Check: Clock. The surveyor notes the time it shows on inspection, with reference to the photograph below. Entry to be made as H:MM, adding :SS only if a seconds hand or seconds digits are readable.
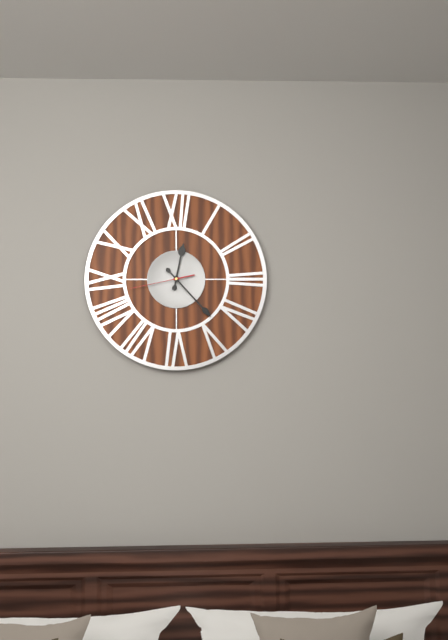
12:23:43
